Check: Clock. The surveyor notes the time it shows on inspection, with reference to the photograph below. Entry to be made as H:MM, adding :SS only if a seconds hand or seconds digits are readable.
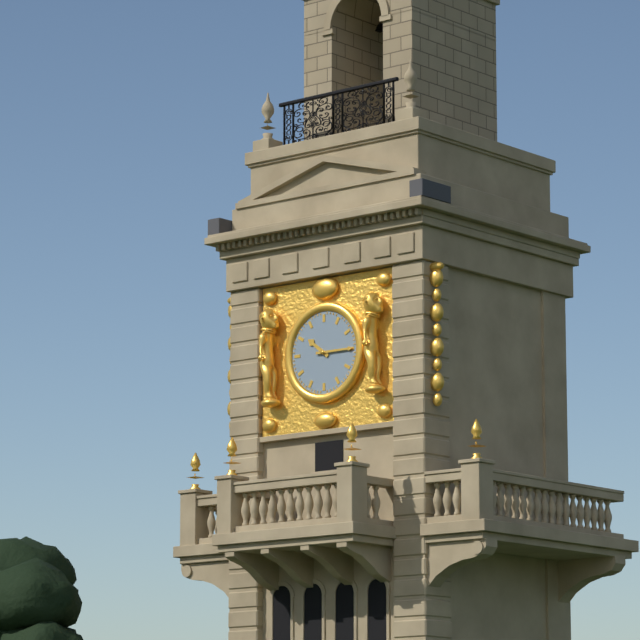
10:15
